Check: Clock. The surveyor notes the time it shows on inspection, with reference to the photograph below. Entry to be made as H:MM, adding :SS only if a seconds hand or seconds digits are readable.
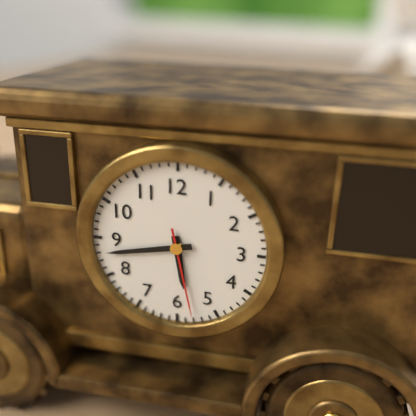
5:43:28
